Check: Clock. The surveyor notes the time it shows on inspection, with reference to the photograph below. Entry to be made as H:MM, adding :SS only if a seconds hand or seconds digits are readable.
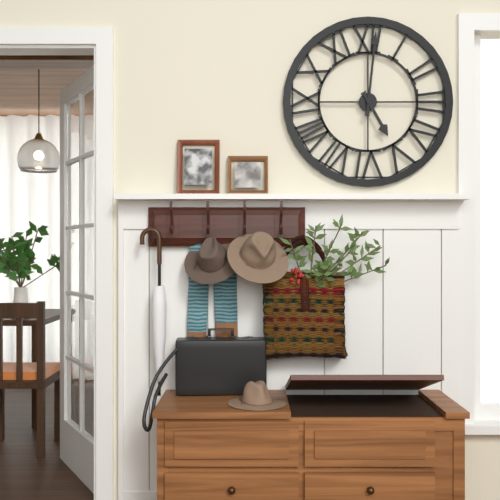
5:01
